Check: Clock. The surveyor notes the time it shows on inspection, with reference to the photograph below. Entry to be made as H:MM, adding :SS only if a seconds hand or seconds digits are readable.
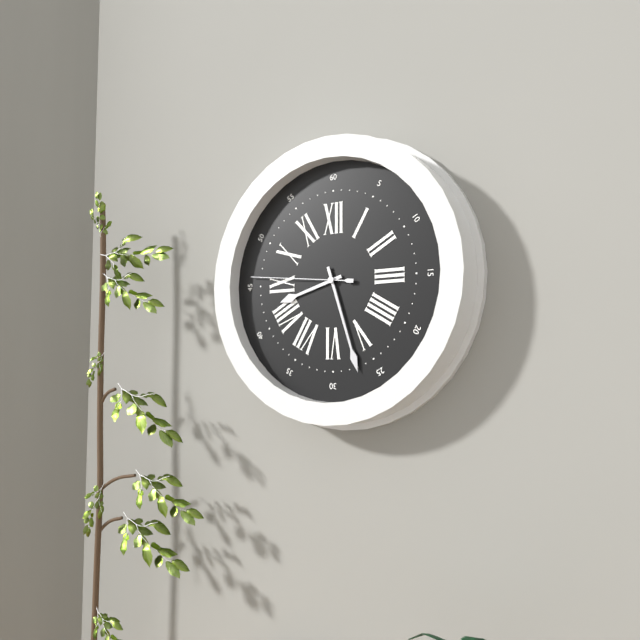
8:27:46
